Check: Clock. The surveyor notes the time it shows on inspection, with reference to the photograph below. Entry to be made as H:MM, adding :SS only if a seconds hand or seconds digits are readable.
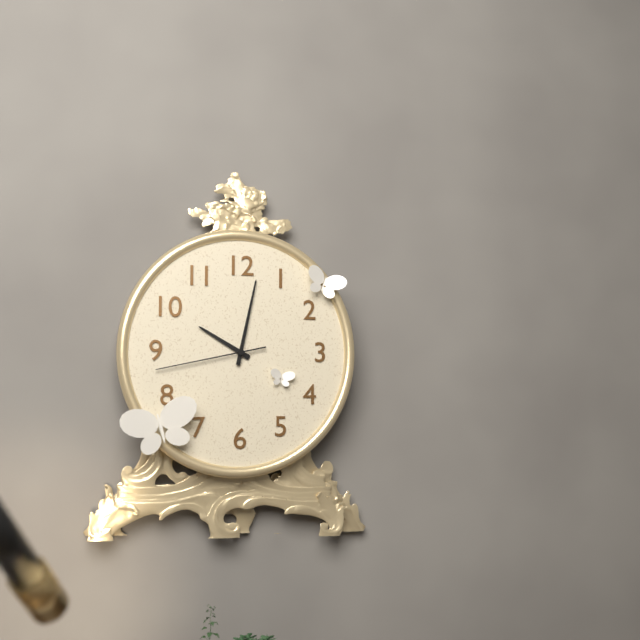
10:02:43
